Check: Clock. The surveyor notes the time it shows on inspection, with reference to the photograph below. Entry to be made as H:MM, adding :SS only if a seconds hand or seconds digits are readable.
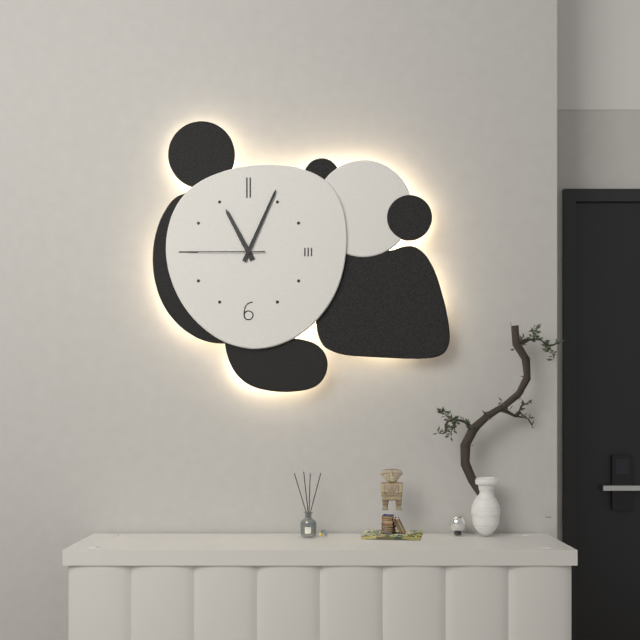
11:04:45
